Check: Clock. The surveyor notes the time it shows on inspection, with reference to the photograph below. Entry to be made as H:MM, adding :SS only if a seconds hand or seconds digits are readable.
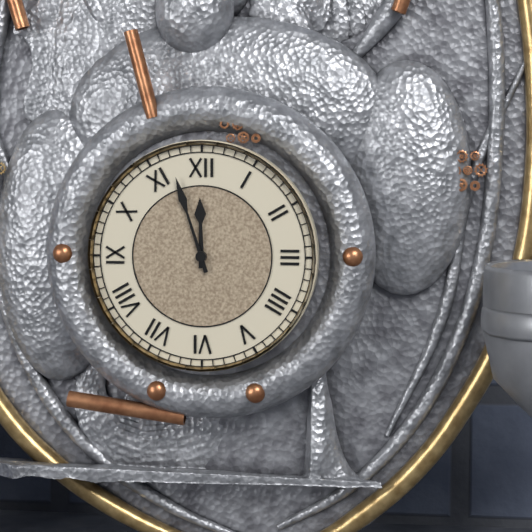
11:57
